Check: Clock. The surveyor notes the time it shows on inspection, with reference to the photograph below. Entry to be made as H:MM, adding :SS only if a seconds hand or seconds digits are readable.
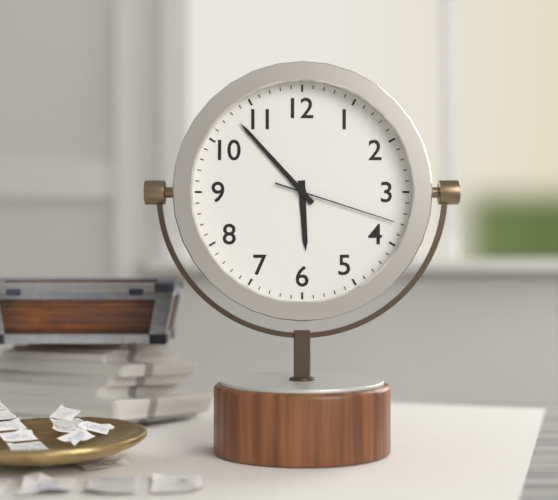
5:53:18
